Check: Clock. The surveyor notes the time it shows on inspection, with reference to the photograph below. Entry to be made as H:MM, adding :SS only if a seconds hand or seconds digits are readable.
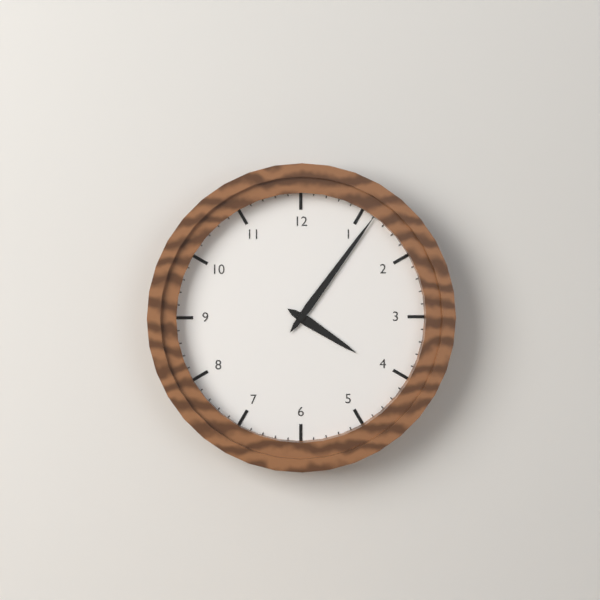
4:06
